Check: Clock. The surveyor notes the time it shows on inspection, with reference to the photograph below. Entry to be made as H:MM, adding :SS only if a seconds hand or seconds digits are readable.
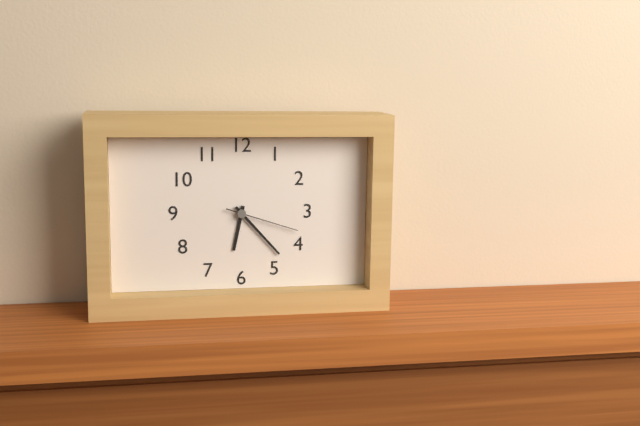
6:23:18
